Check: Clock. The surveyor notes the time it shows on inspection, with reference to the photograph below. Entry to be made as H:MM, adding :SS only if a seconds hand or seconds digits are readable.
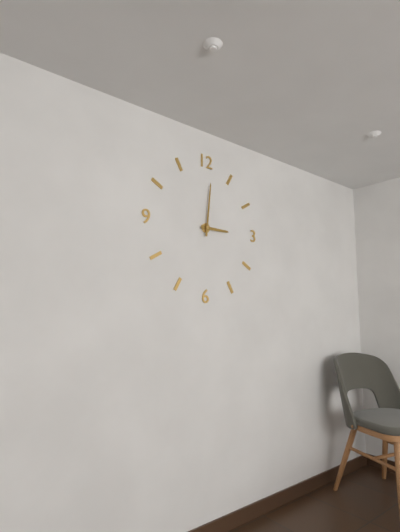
3:01
